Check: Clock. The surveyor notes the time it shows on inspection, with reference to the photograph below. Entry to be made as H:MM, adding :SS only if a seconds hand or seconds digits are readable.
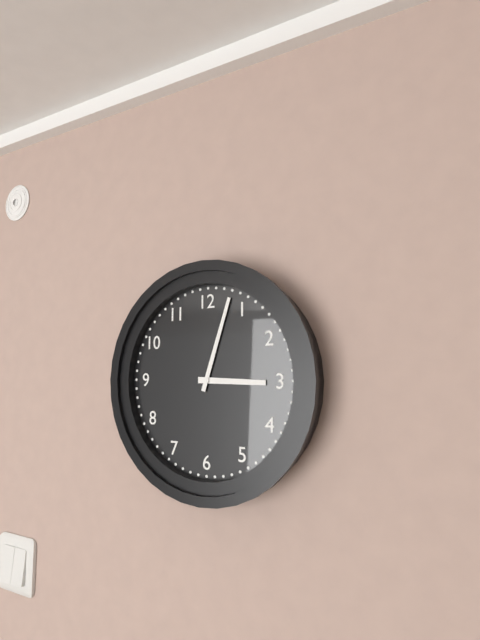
3:03
